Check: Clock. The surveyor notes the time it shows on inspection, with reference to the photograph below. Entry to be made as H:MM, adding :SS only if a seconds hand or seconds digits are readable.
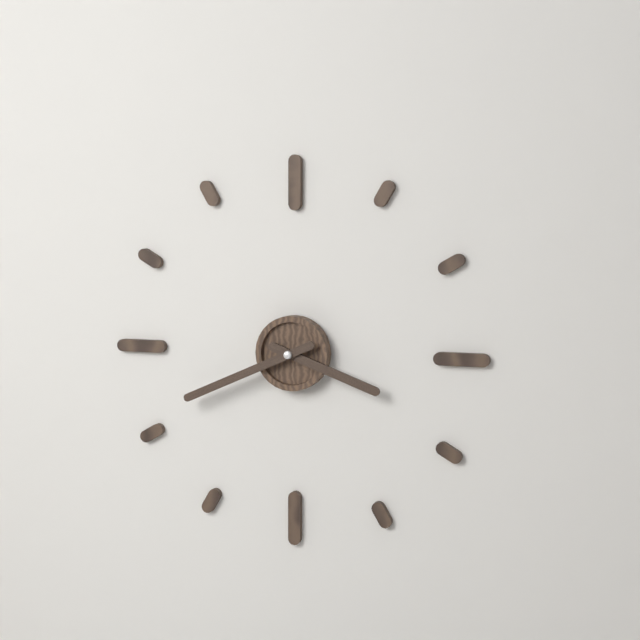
3:41
